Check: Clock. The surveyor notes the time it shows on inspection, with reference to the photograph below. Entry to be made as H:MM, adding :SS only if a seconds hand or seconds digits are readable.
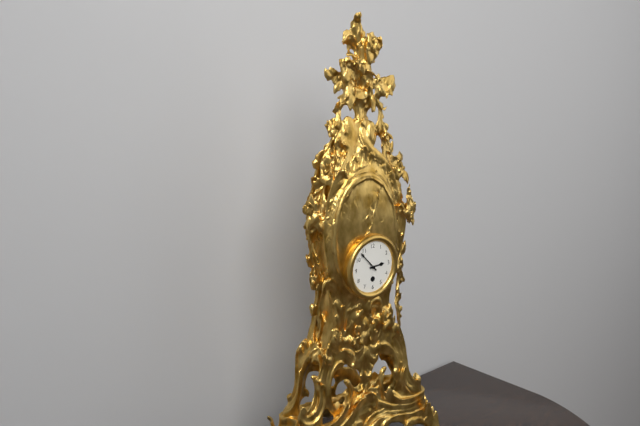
2:53
